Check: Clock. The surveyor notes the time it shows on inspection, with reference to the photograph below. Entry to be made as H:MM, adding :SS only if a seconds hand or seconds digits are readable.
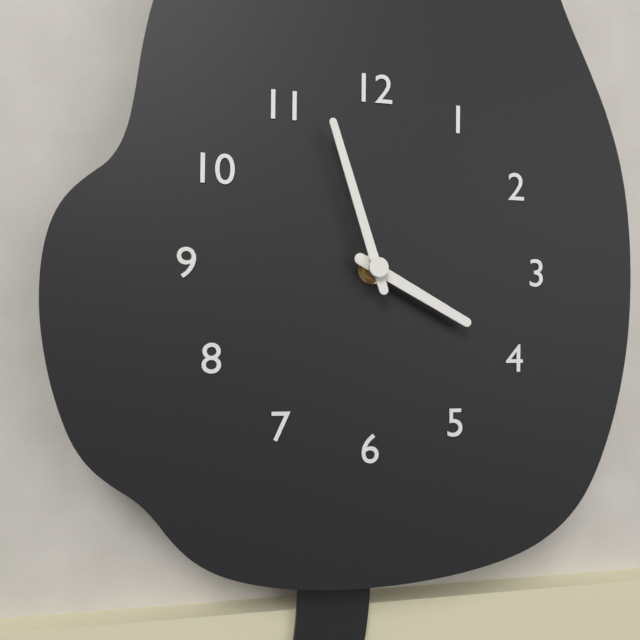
3:57
